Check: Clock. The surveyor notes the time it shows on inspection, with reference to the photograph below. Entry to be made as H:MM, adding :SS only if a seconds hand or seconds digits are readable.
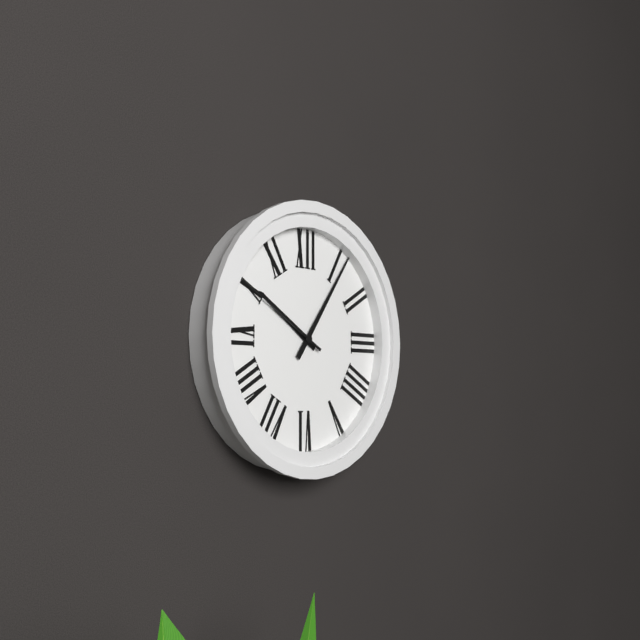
10:06:50
